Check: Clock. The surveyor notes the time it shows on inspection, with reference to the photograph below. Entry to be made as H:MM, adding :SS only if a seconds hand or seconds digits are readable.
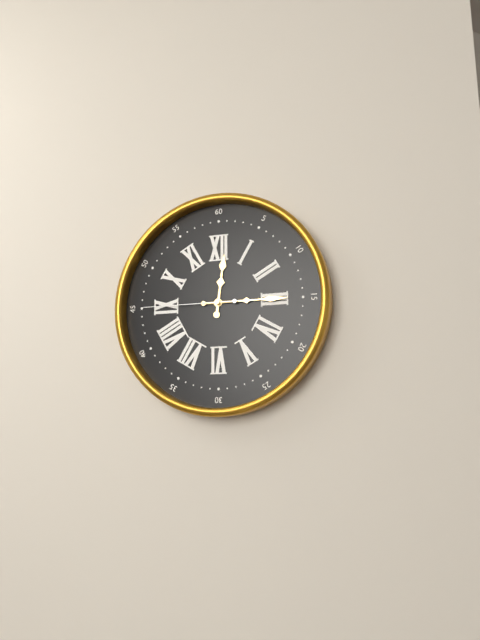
12:15:45
